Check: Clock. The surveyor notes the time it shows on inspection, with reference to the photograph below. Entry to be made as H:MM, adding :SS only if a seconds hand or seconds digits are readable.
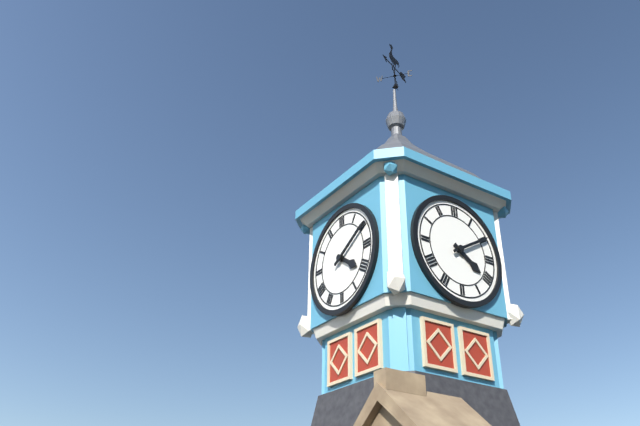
4:10
